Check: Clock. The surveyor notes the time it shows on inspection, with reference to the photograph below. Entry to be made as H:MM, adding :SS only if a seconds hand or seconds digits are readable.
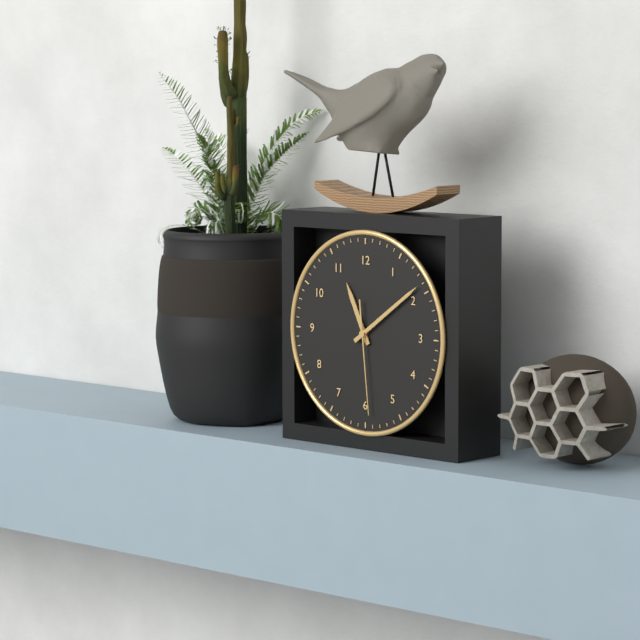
11:09:29
